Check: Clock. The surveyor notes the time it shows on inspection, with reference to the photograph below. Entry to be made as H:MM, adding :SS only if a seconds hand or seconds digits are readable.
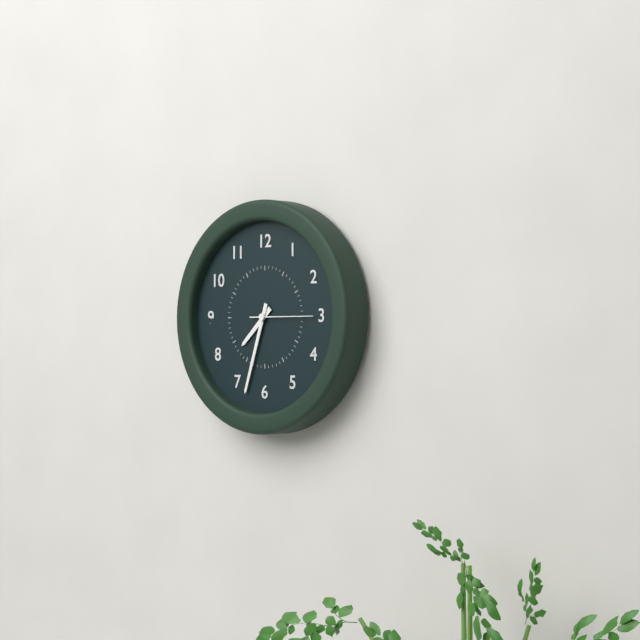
7:33:15
